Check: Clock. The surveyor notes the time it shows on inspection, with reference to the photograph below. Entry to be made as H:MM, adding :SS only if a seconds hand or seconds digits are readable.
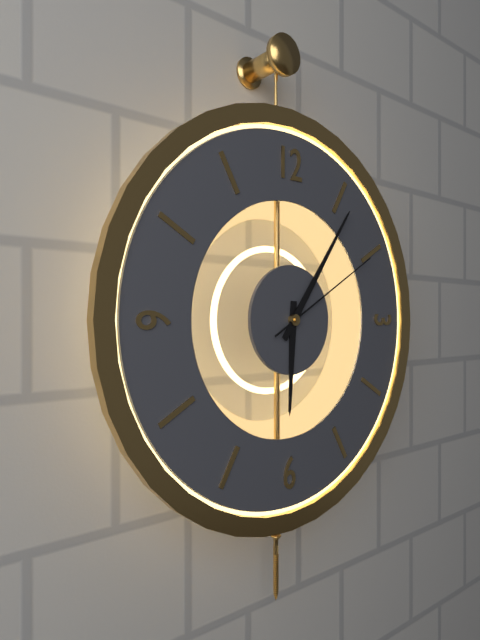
6:06:10
